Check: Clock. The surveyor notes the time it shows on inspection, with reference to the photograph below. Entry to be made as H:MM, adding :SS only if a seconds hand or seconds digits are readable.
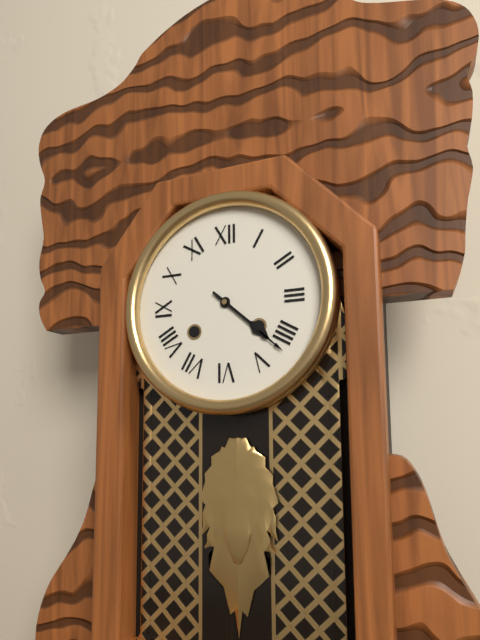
4:22
